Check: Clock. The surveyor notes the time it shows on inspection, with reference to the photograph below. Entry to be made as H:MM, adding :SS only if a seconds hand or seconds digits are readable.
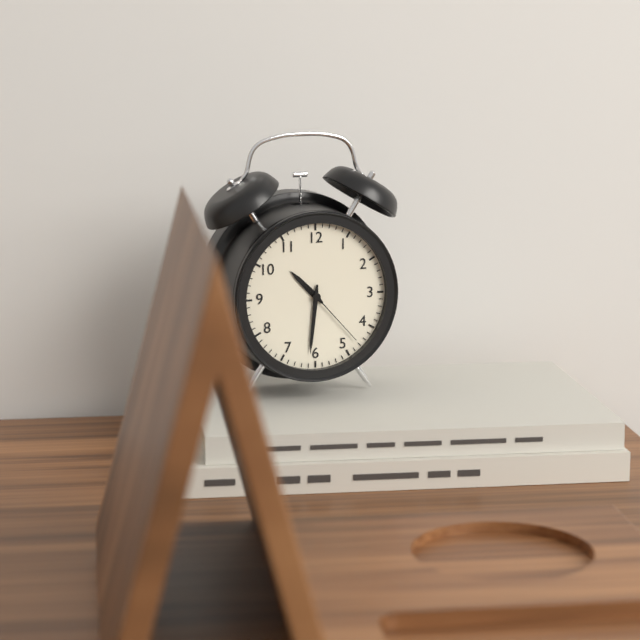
10:31:23
